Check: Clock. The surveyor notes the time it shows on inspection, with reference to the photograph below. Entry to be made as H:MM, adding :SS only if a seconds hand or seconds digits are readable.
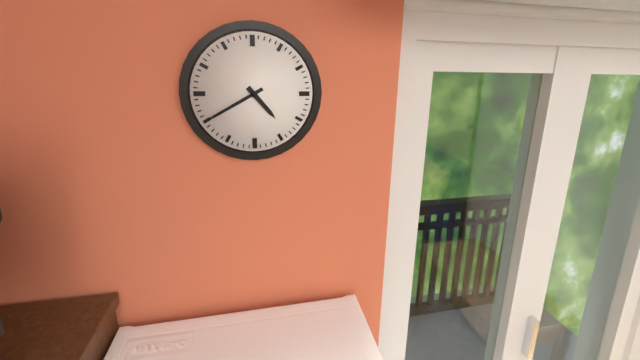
4:40
